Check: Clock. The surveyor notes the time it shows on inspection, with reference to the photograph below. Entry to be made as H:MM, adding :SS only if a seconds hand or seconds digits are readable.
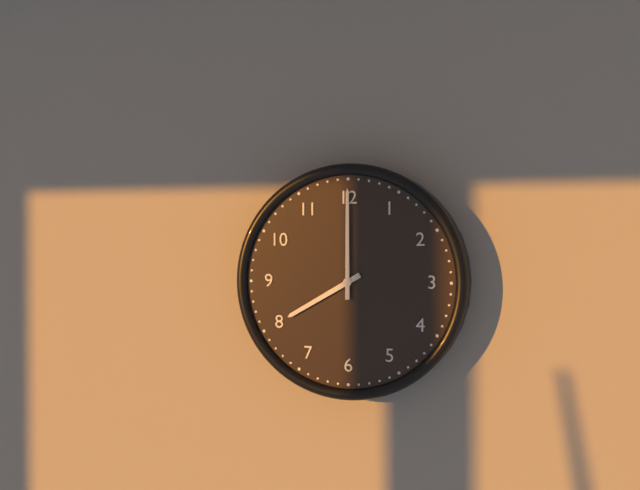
8:00
